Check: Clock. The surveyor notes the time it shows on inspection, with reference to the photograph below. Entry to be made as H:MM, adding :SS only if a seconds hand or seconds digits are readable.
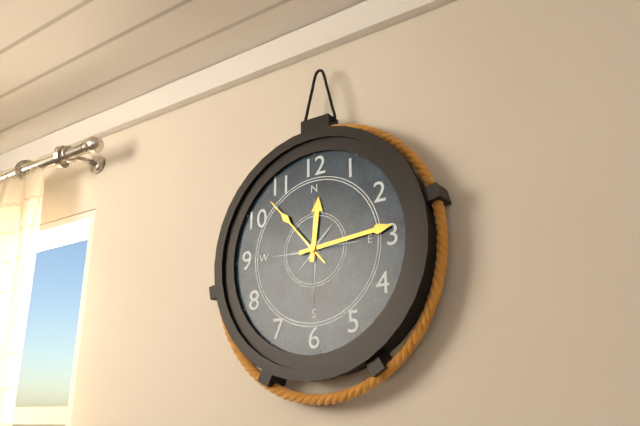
12:14:53
